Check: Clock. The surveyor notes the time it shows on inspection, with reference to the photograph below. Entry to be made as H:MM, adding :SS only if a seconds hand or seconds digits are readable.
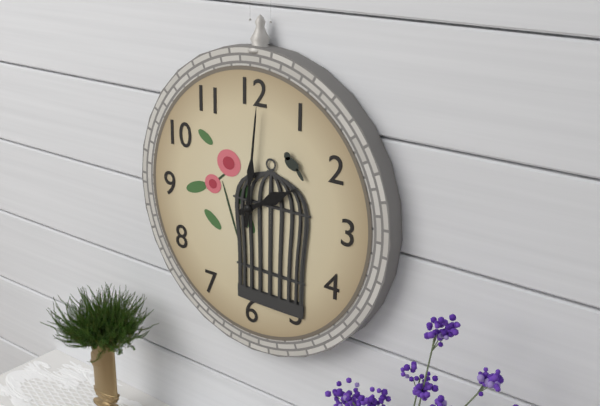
2:01
